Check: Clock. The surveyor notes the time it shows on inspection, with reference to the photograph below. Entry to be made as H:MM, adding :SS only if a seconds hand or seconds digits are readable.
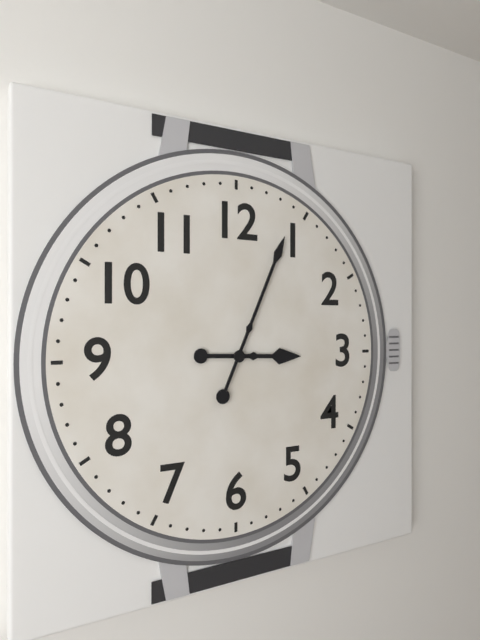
3:04
